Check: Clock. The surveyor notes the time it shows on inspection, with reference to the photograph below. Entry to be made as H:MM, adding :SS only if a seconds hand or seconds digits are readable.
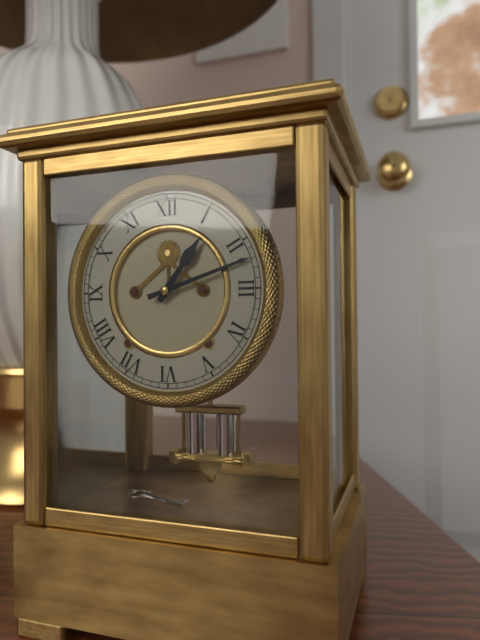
1:12
